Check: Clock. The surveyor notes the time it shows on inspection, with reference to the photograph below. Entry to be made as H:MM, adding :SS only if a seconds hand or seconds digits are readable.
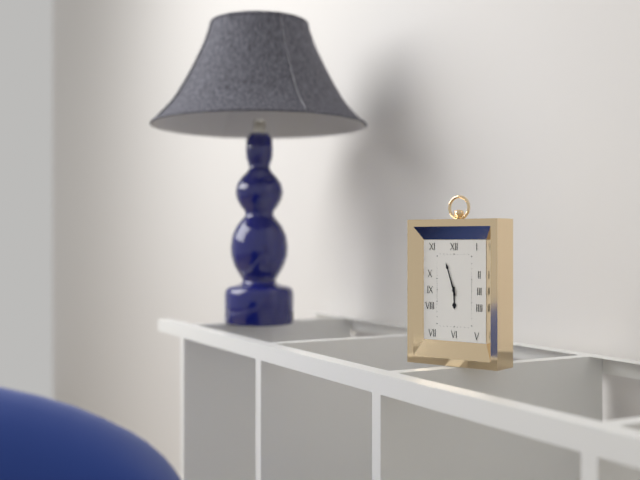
5:57
